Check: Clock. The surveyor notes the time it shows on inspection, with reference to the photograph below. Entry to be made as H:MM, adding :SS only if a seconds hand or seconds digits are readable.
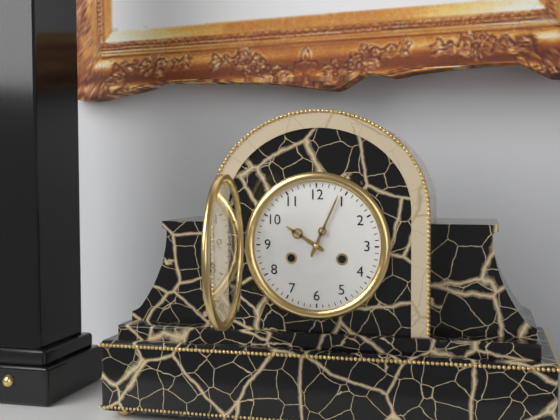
10:04
